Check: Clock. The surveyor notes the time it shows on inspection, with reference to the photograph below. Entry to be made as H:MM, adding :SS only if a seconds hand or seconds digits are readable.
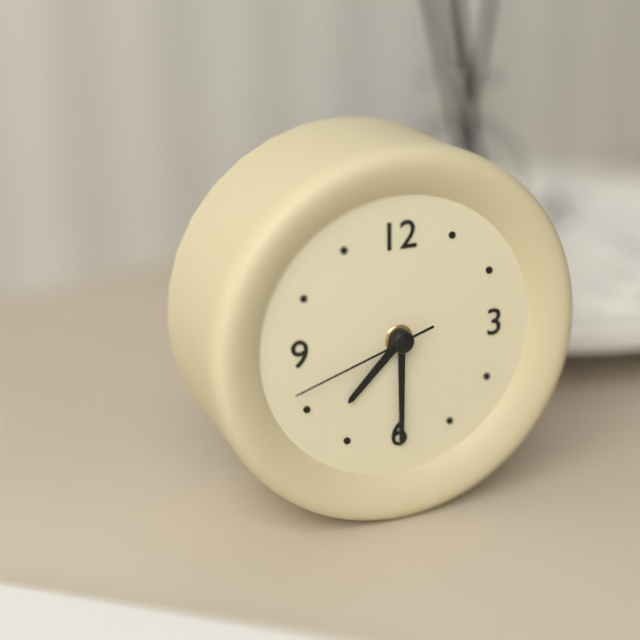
7:30:42
